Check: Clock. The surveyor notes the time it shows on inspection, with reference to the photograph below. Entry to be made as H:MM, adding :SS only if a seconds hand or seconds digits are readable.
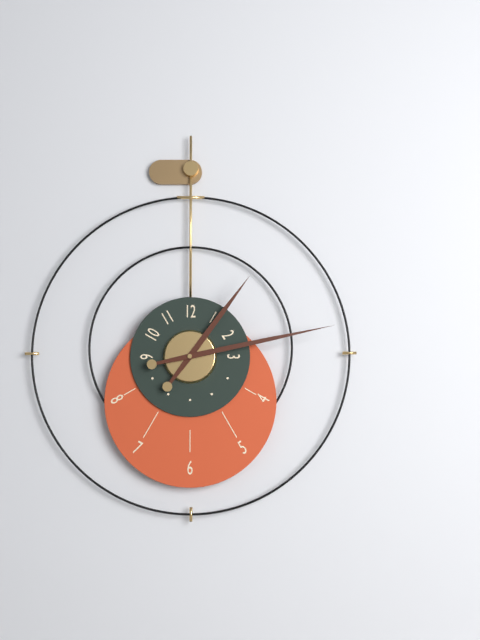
1:13
